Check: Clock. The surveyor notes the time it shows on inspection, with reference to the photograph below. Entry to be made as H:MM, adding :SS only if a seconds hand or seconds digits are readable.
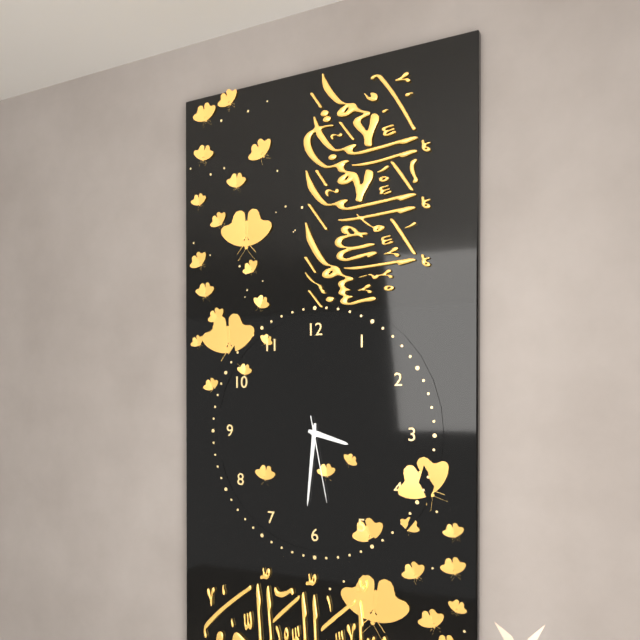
3:31:28
